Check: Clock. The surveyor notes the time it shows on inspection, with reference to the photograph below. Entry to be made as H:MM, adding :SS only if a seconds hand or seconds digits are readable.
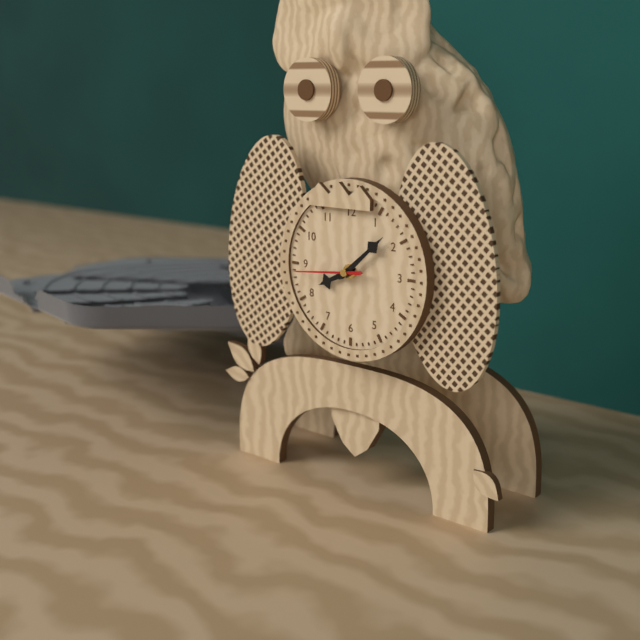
8:08:44
